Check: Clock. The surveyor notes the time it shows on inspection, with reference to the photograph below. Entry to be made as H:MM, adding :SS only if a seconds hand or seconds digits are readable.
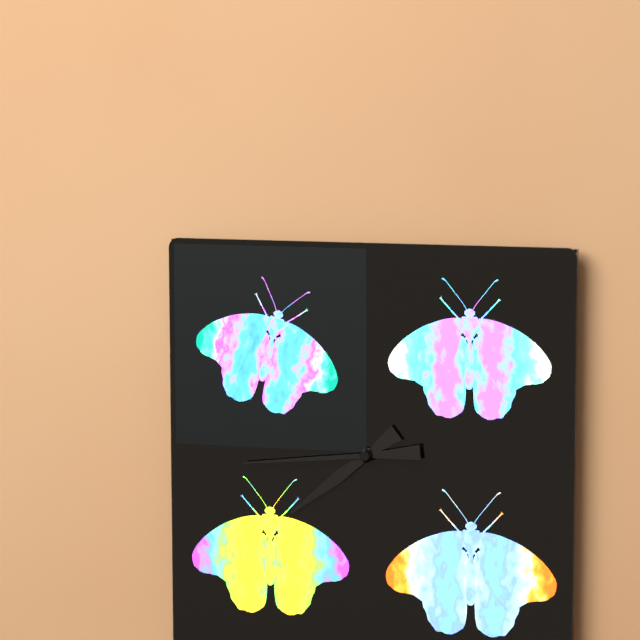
7:44
